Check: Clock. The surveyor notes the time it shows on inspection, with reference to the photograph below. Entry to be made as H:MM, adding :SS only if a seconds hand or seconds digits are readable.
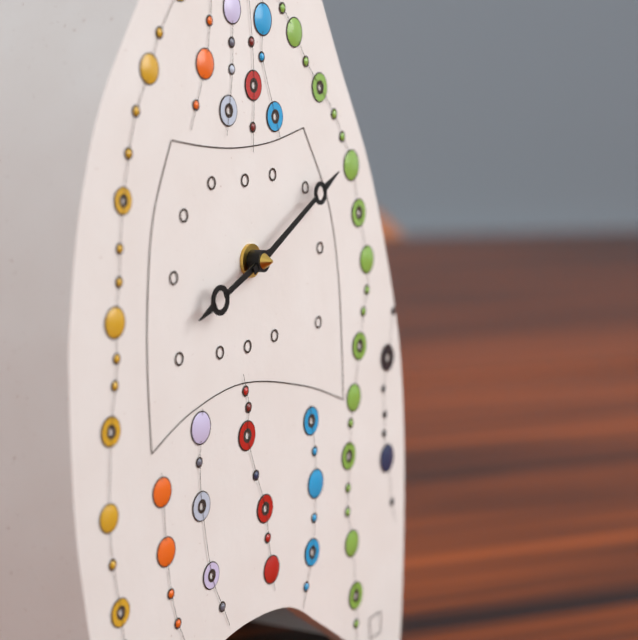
8:10
